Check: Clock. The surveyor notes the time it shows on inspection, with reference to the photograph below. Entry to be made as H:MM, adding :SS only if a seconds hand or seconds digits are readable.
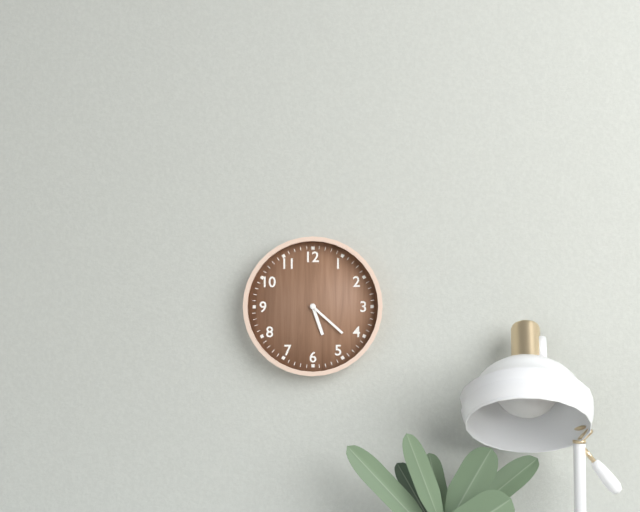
5:22
